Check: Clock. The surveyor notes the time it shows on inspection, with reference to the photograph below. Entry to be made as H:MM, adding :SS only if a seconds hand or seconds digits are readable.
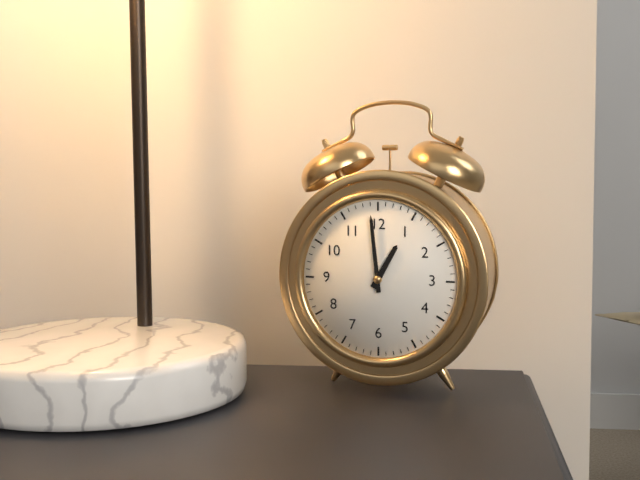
12:59
